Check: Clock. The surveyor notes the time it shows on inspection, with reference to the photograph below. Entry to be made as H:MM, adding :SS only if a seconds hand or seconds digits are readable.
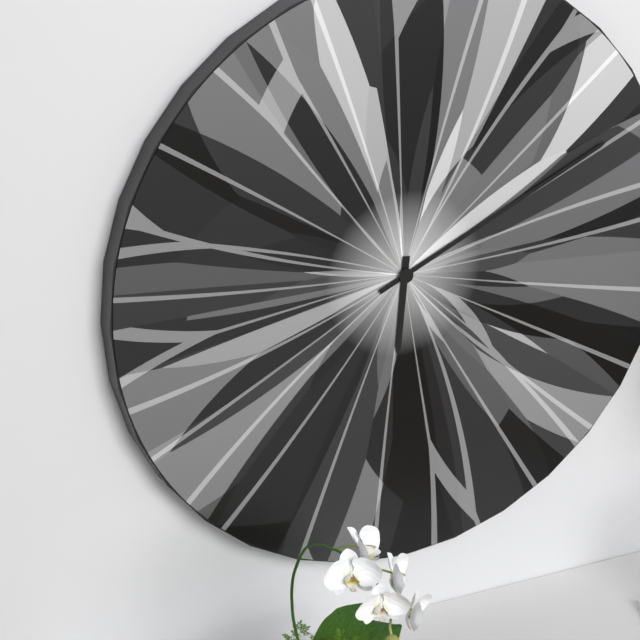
6:11
